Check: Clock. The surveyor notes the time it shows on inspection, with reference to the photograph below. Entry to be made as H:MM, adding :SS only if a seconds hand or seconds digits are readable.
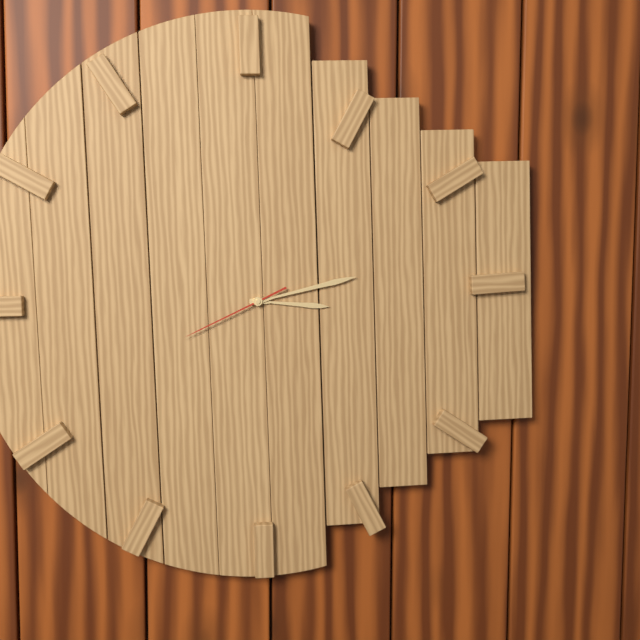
3:13:41
